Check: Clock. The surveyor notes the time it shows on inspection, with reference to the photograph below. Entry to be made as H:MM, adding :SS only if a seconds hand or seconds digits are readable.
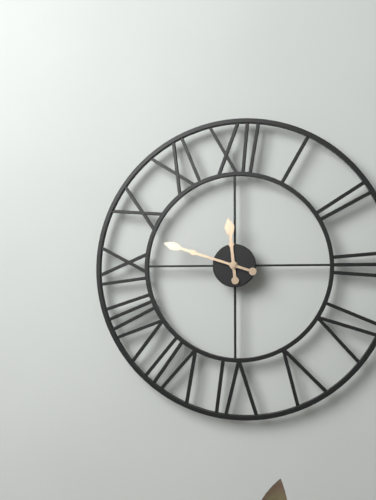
11:48
